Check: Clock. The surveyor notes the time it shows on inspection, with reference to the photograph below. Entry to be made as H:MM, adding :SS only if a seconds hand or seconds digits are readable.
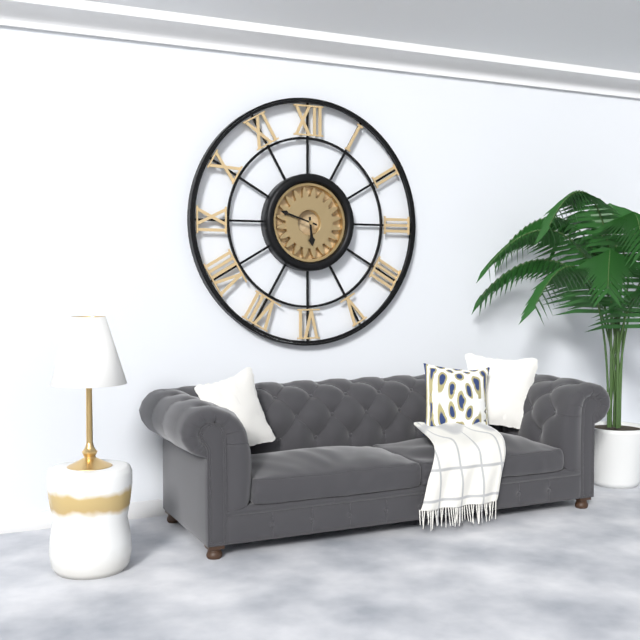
5:48
